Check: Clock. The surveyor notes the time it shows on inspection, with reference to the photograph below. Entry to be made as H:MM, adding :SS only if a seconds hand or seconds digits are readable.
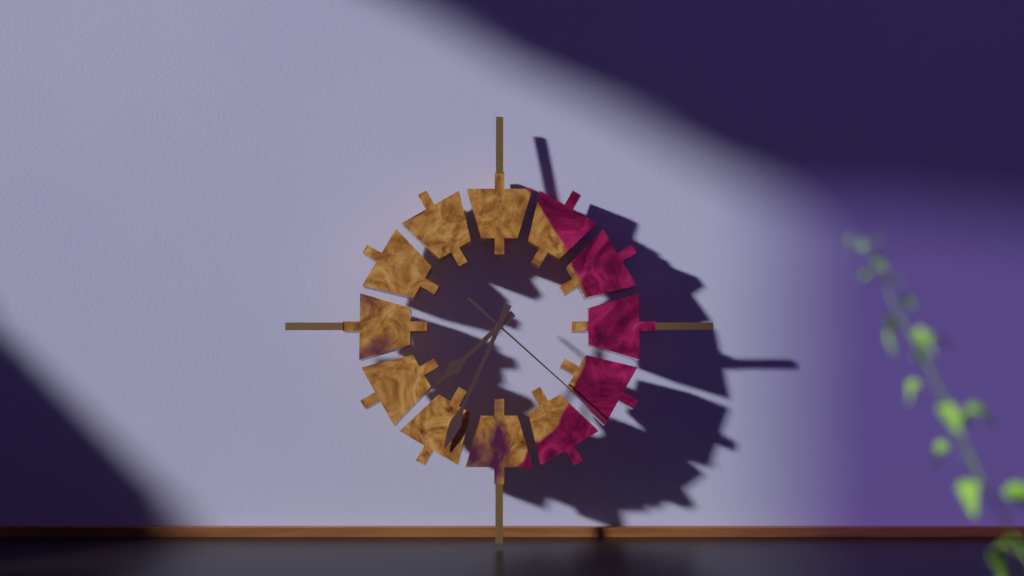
7:34:22
